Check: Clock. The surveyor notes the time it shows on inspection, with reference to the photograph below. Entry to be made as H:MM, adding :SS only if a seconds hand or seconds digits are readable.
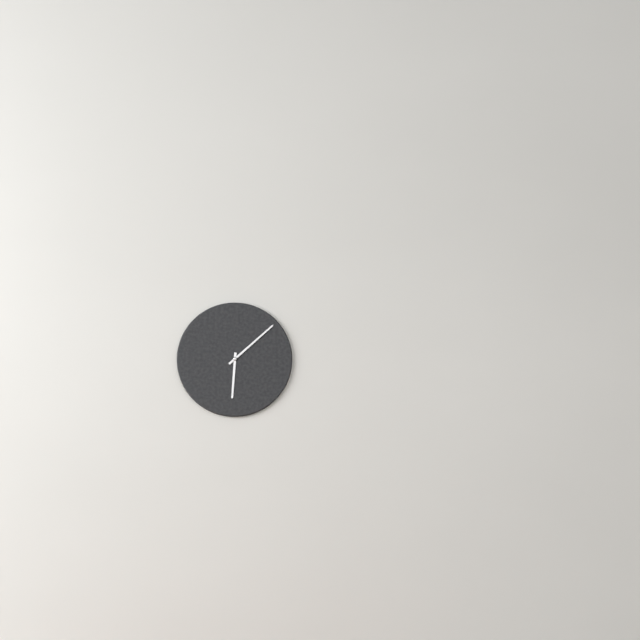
6:08
